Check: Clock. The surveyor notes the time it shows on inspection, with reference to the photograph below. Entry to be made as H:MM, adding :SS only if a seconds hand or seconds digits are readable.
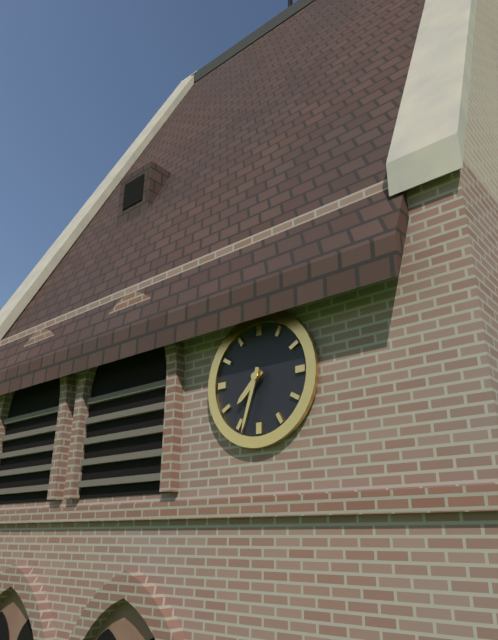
7:33
